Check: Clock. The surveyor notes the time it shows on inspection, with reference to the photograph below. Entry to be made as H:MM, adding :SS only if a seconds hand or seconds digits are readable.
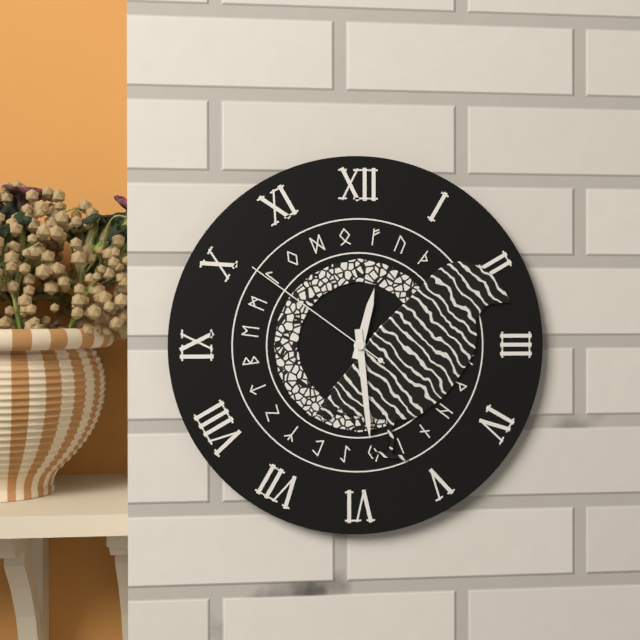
12:29:51
